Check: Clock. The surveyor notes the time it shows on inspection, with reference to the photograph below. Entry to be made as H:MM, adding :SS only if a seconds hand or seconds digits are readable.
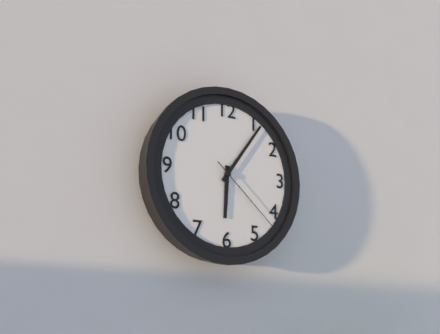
6:06:22
